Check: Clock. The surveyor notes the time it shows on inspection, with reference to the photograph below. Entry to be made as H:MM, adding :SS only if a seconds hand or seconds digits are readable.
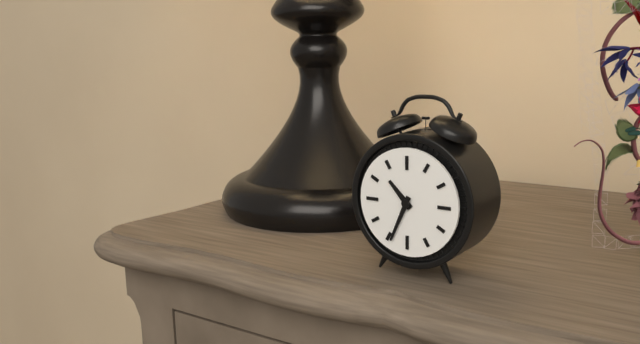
10:34
